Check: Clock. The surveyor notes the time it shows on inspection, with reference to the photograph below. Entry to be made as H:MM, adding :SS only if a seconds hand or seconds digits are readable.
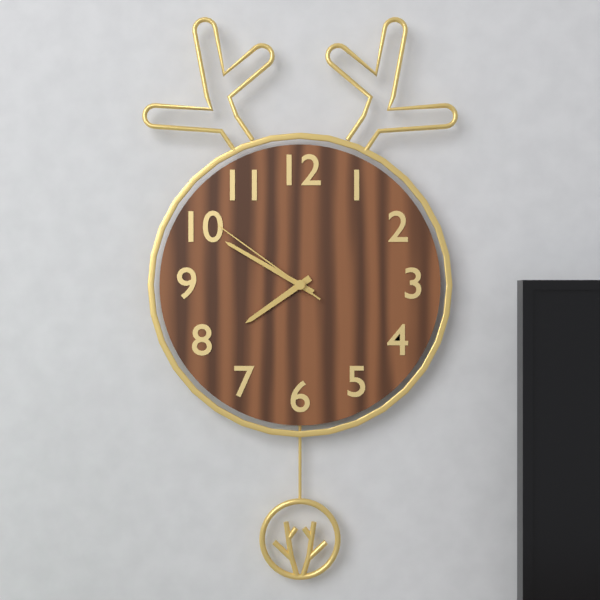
7:50:51
